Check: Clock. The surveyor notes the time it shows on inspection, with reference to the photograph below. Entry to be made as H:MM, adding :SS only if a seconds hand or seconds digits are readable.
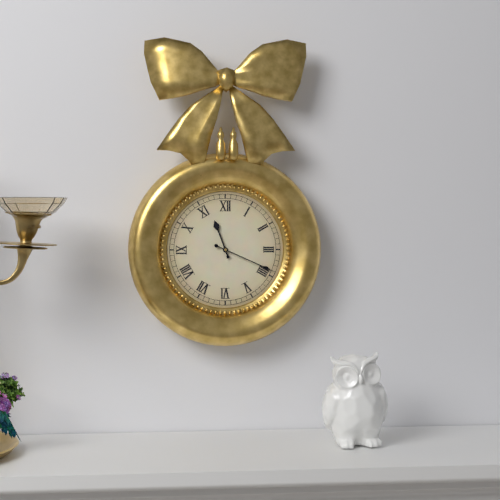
11:19
